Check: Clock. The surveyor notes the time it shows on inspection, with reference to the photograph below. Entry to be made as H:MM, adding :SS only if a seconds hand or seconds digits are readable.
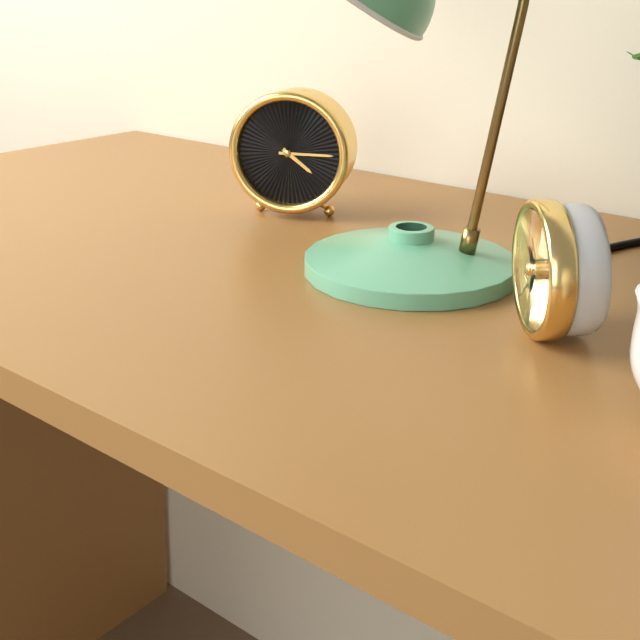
4:15
